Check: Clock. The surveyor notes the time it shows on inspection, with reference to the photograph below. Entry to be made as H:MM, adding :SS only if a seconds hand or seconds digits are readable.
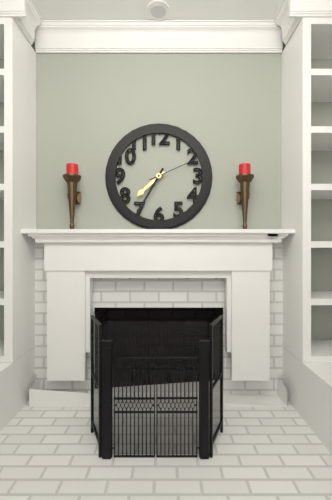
7:35:11
